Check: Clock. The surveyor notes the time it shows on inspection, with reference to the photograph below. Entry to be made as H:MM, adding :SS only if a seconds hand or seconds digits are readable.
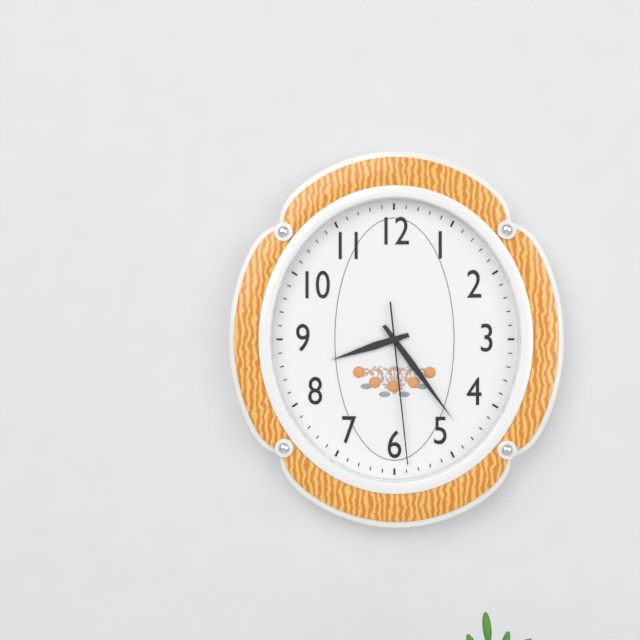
8:24:29
